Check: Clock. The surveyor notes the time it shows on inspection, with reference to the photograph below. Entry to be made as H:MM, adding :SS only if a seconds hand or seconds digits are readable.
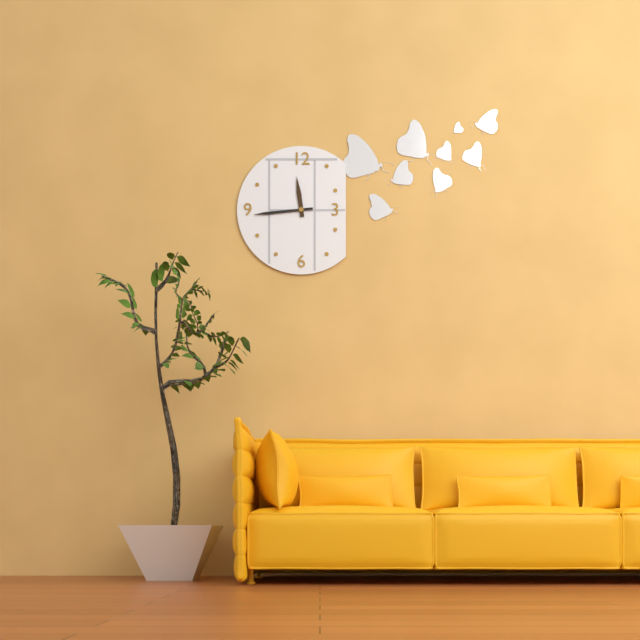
11:44
